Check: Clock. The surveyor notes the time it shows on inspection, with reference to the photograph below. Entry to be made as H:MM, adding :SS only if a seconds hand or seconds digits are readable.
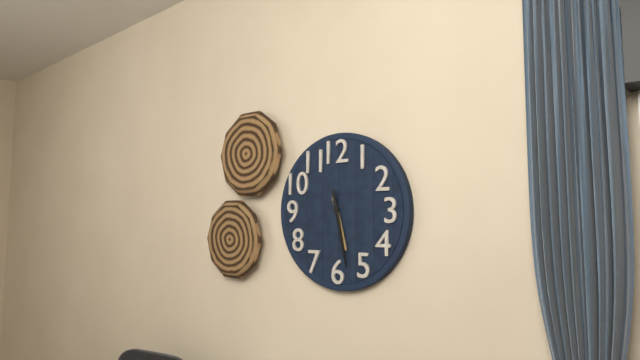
5:28
